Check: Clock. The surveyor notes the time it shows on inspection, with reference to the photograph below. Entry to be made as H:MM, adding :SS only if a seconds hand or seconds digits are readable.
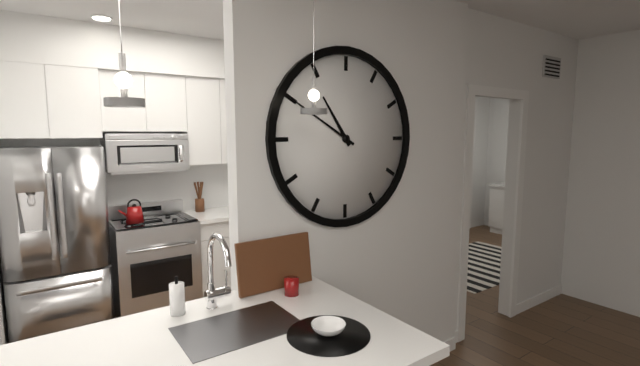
10:50
